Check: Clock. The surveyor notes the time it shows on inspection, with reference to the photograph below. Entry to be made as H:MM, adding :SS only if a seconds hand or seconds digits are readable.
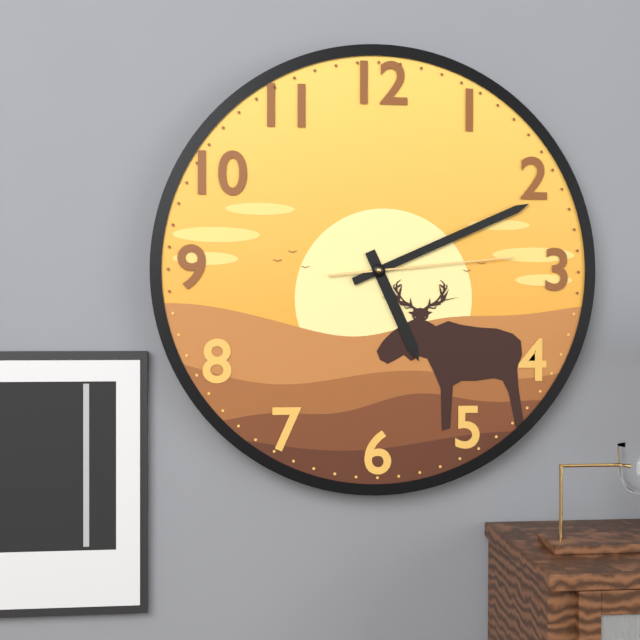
5:11:14
